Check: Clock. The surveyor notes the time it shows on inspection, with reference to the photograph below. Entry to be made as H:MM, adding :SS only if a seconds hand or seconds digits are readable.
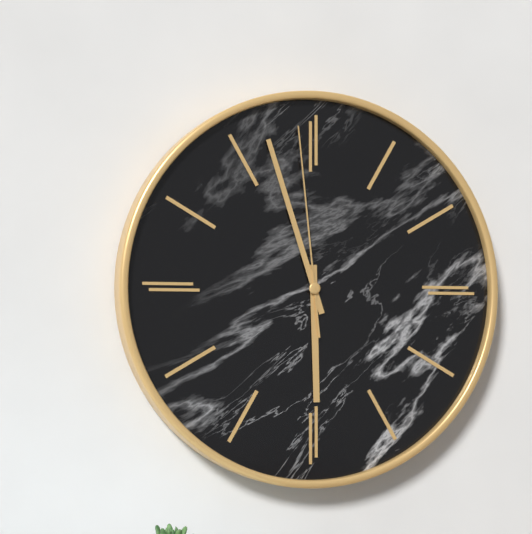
5:57:59
